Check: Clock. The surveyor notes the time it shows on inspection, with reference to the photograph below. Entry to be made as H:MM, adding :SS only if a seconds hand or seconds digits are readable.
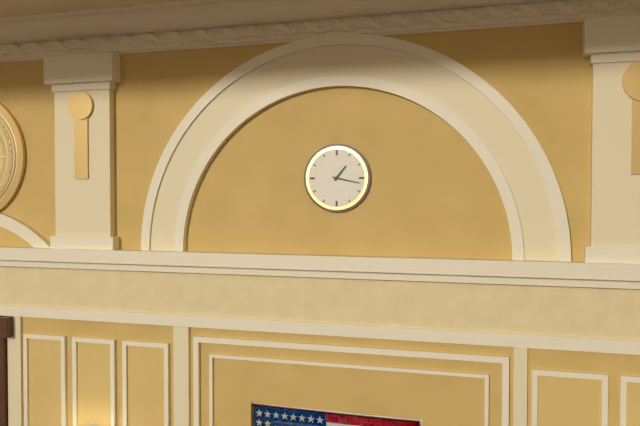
1:17
